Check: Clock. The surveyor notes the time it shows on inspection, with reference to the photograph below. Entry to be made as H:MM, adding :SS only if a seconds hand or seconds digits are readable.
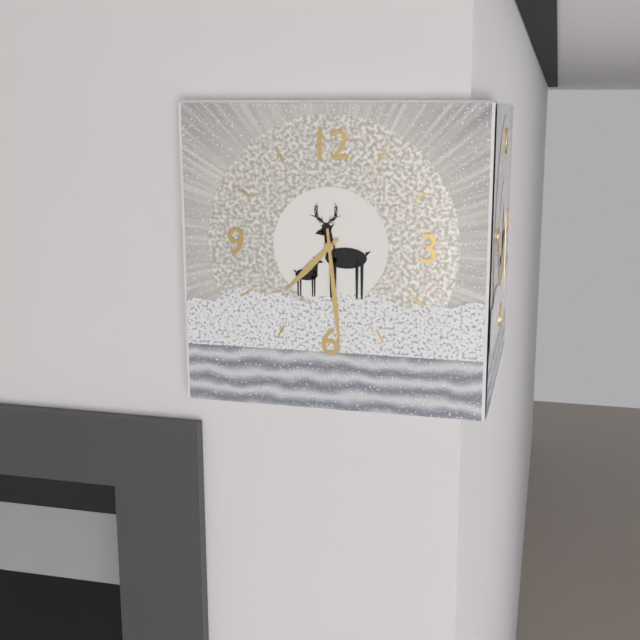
7:29
